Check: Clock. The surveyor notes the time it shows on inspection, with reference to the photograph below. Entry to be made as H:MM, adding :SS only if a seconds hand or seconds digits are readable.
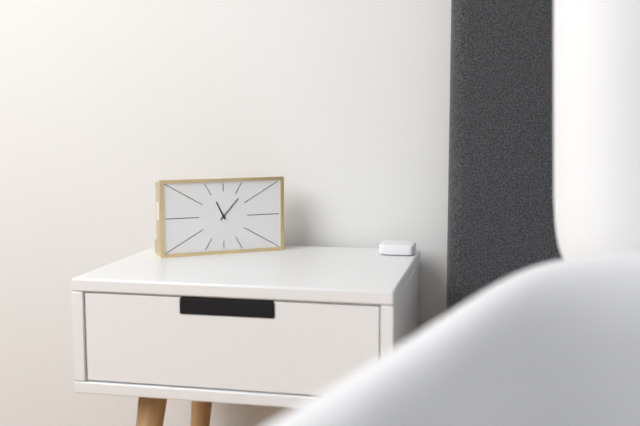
11:07
